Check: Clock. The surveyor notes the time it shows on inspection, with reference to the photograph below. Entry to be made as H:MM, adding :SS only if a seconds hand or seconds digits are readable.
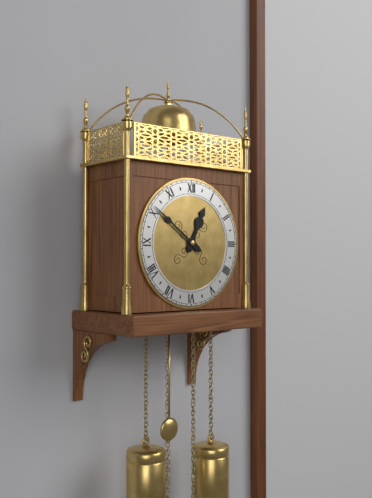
12:51
